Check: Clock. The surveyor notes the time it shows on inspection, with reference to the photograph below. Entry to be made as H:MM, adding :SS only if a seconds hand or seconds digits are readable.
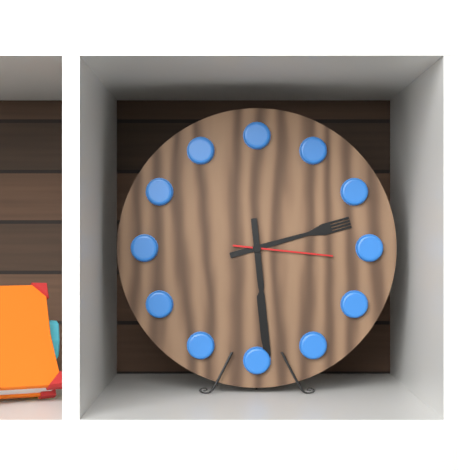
2:29:16
